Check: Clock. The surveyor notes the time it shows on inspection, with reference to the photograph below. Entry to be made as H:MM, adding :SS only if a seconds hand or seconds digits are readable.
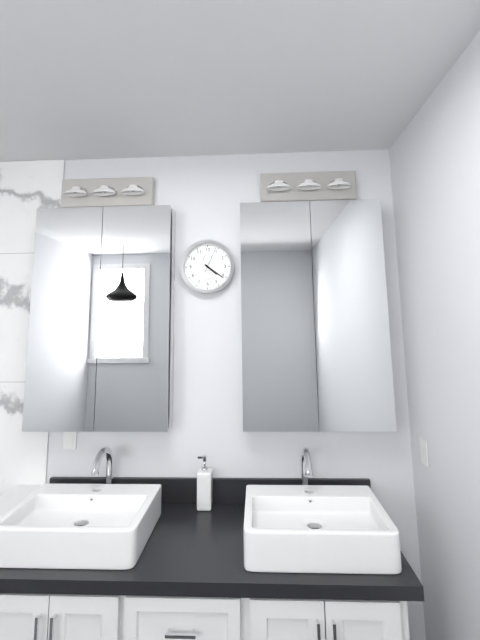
4:21
